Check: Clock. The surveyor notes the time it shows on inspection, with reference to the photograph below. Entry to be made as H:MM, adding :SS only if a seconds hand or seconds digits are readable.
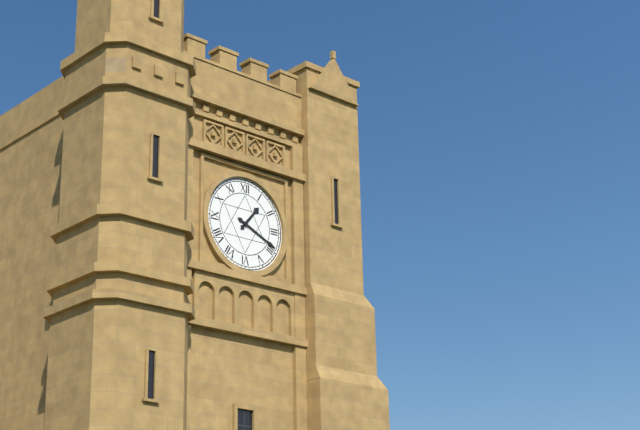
1:19
